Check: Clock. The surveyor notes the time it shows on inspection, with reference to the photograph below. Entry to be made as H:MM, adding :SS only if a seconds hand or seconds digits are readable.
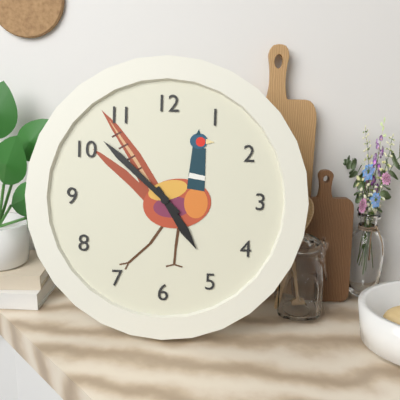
4:52
